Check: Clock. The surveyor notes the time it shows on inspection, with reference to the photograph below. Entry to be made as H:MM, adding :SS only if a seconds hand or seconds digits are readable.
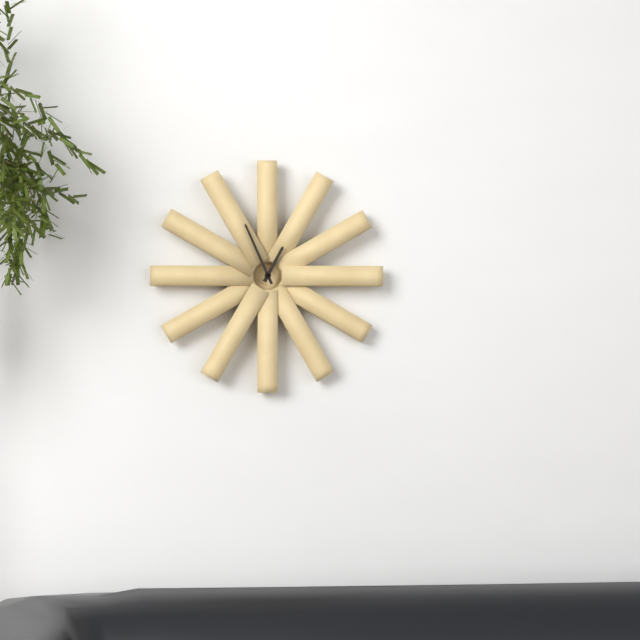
12:56
